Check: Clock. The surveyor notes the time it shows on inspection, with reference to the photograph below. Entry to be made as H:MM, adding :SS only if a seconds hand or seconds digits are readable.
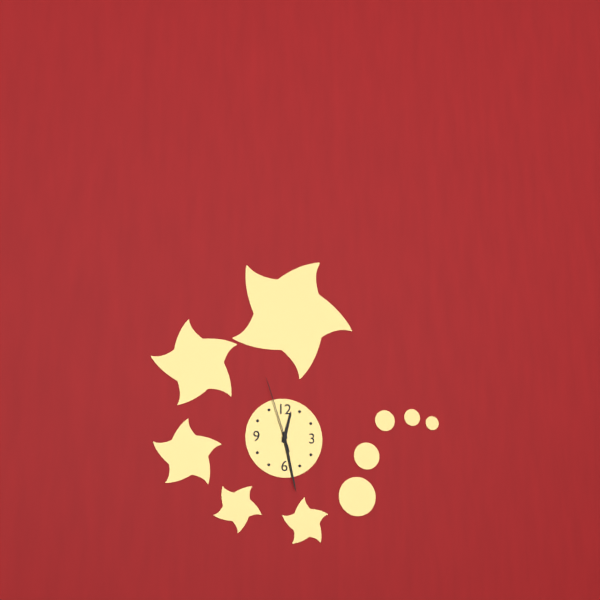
12:28:57
